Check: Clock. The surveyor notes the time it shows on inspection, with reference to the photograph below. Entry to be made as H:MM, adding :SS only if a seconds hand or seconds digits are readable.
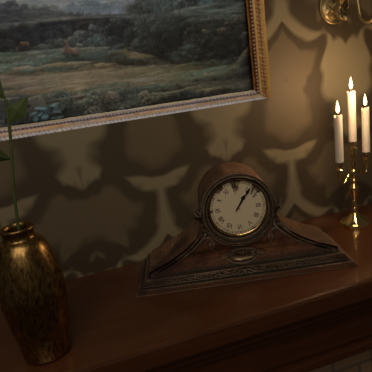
1:06
